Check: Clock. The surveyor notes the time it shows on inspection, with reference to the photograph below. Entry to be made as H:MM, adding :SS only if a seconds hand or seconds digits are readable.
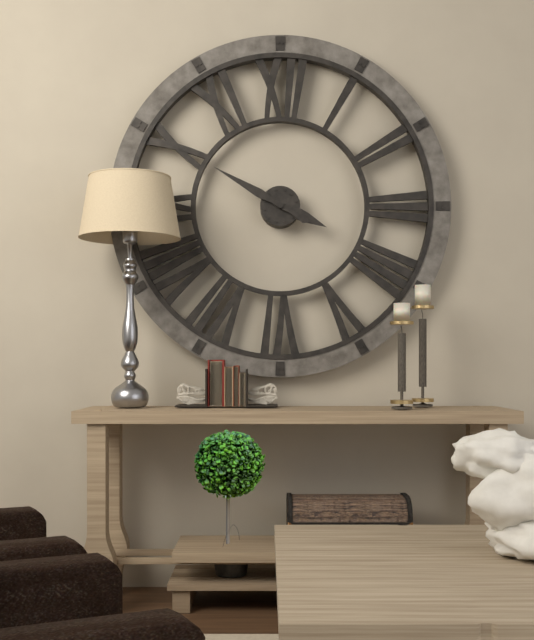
3:50
